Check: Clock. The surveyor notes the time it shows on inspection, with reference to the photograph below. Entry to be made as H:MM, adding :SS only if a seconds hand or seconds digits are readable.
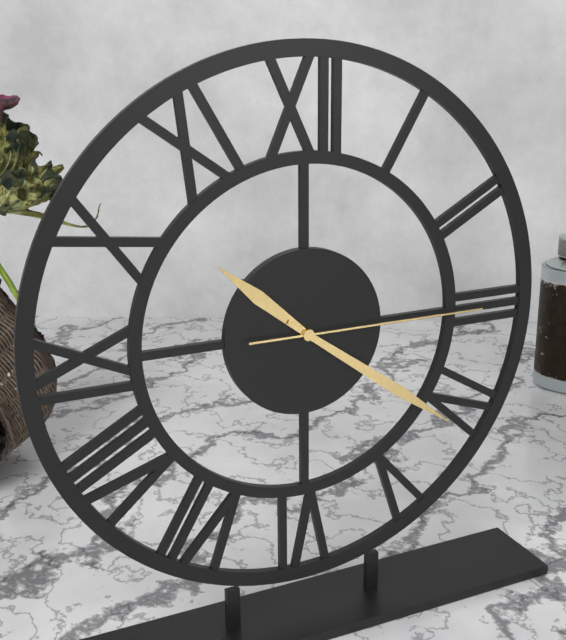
10:21:15
